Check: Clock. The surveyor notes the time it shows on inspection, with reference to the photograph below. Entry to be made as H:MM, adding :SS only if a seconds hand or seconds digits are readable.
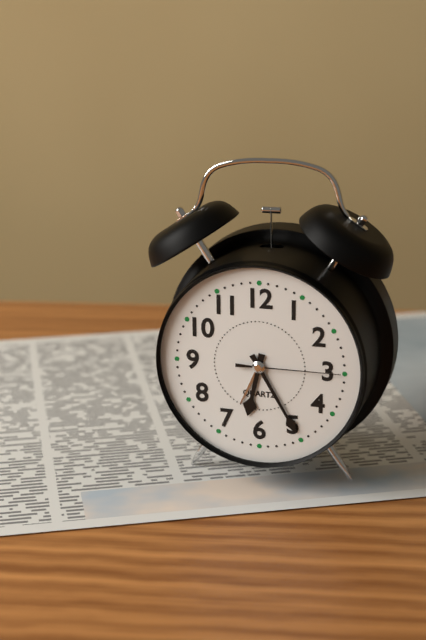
6:25:15
